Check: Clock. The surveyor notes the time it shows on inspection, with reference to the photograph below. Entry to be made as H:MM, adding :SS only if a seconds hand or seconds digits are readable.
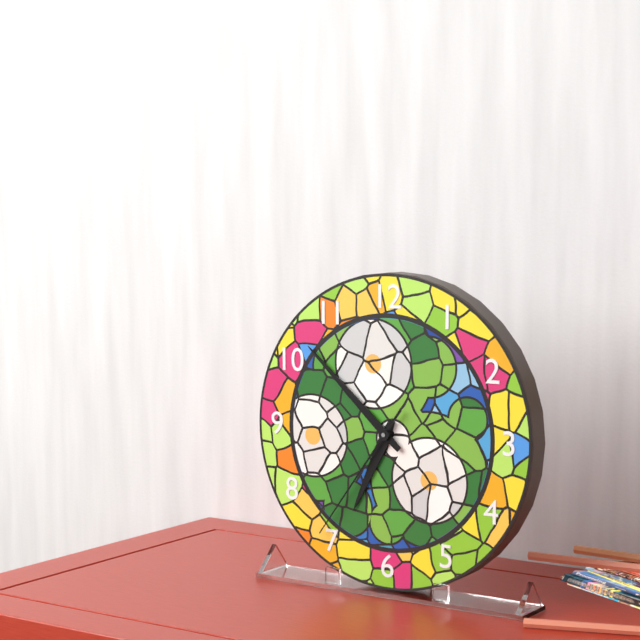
6:52:36
